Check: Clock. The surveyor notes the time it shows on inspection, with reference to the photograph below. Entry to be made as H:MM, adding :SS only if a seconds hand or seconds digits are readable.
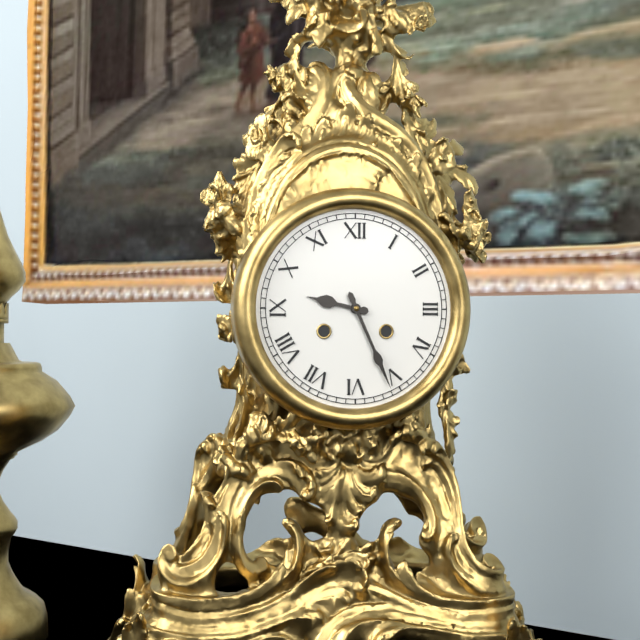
9:26
